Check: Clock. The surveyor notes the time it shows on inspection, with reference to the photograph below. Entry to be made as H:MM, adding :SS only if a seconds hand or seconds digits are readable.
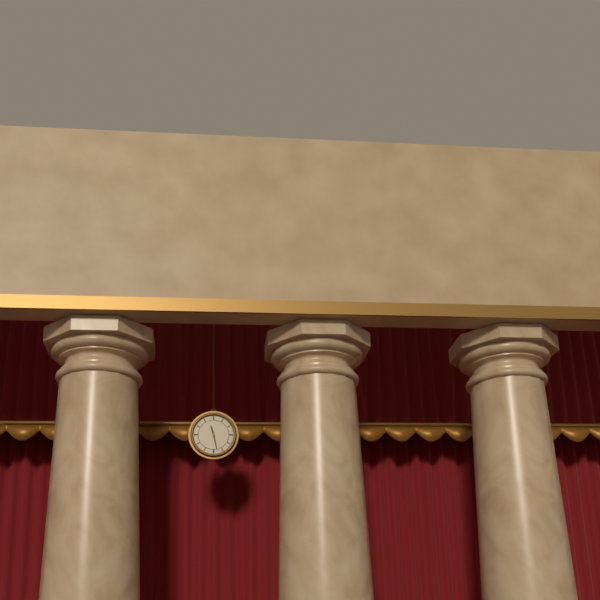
11:28
